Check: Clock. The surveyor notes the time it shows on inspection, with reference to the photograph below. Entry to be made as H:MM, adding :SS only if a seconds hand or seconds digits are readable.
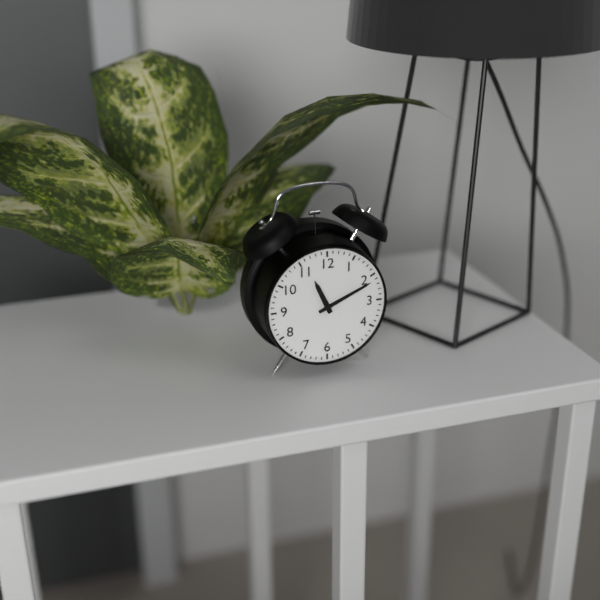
11:11
